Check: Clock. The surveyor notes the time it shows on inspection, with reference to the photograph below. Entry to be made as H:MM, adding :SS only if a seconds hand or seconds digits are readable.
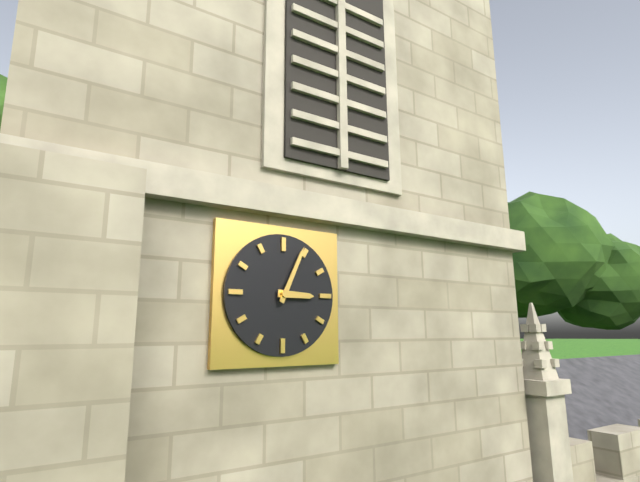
3:04
